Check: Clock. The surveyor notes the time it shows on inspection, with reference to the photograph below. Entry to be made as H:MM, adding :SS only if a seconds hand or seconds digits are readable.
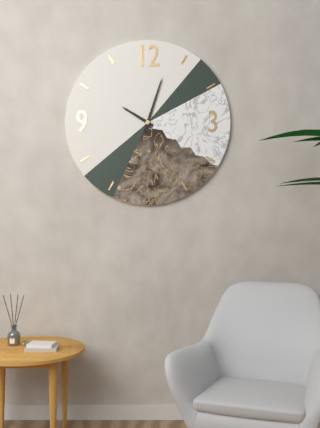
10:03
